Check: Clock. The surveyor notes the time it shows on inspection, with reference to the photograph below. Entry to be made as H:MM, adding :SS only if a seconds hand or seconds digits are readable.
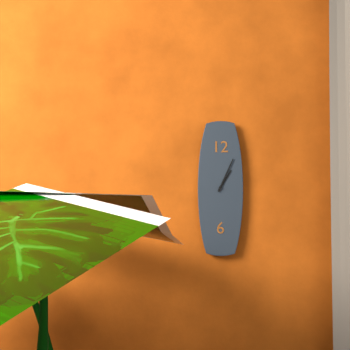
1:04
